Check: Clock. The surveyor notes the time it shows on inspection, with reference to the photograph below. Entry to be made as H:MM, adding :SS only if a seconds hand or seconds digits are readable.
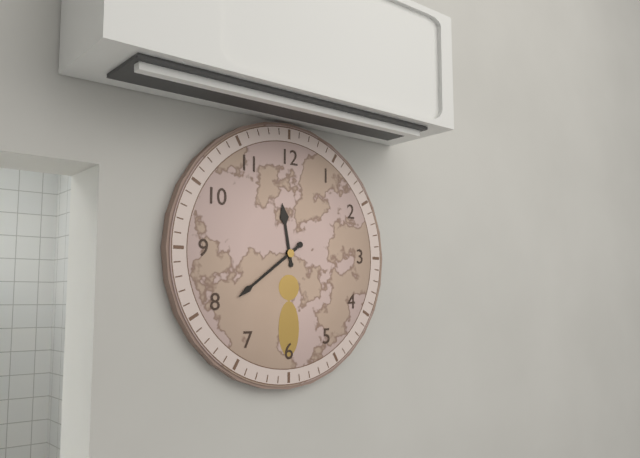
11:39
